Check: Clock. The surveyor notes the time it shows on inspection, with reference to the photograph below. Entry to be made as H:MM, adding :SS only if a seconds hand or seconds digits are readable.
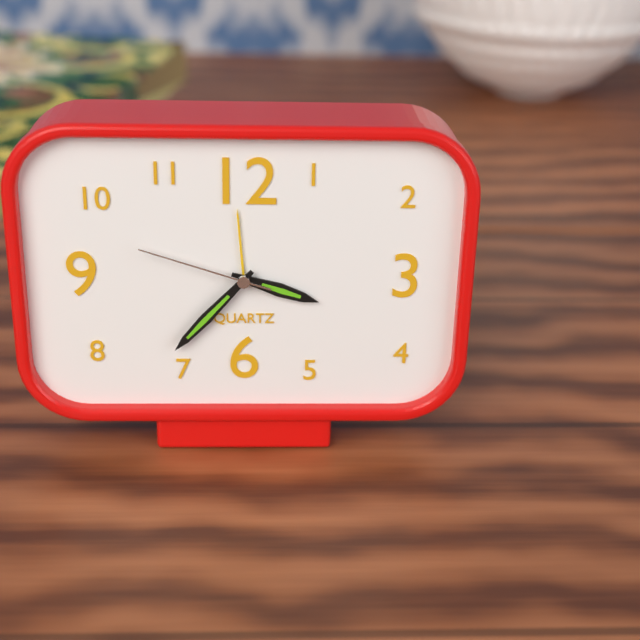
3:37:48
